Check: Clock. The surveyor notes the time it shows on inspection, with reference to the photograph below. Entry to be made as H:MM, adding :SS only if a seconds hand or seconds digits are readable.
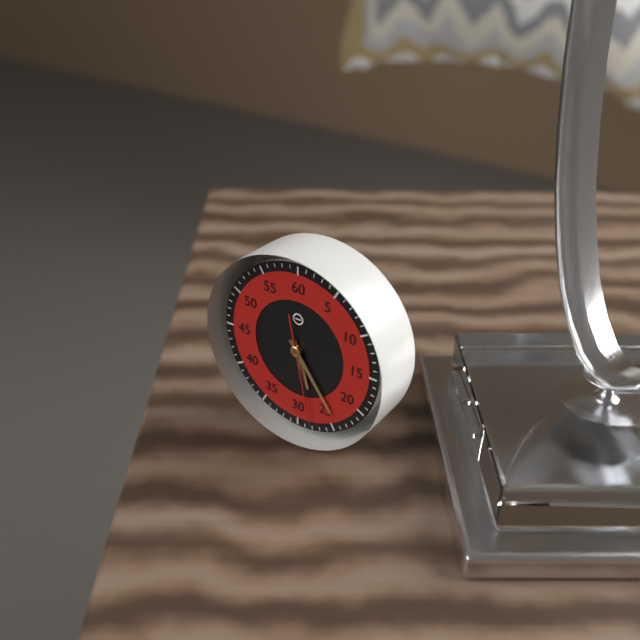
5:24:28
